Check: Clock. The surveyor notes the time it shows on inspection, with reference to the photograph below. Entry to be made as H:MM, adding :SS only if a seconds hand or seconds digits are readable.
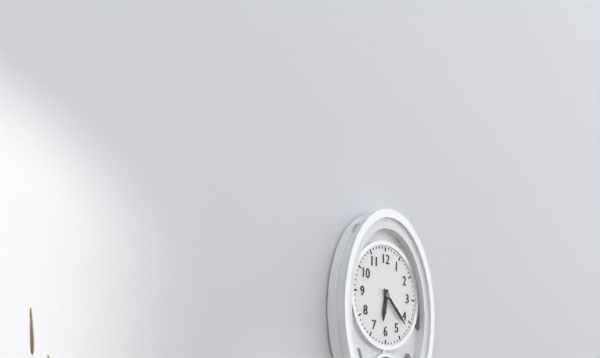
6:22
